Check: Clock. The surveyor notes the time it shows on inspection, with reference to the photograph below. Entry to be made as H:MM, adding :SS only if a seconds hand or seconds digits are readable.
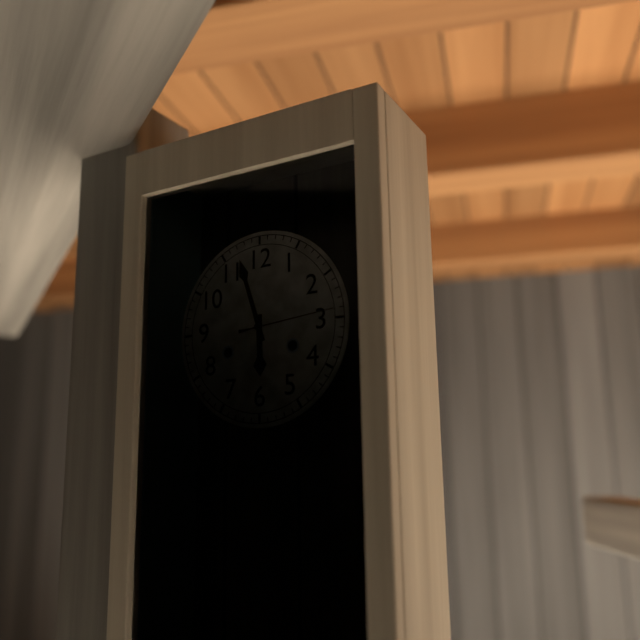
5:57:14
